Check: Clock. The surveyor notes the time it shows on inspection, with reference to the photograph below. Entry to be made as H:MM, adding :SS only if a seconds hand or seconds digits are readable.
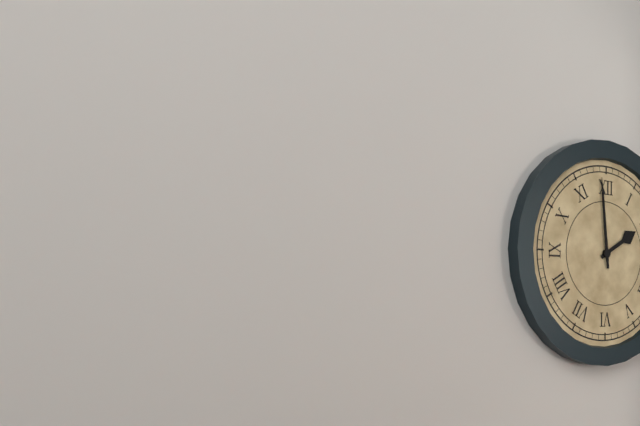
1:59
